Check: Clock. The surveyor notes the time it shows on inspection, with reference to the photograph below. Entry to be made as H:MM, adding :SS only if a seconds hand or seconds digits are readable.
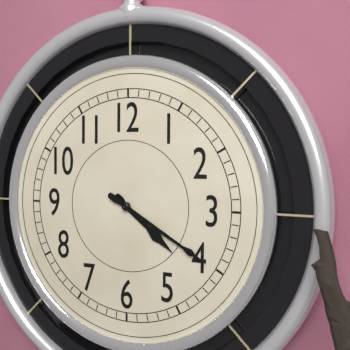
4:20
